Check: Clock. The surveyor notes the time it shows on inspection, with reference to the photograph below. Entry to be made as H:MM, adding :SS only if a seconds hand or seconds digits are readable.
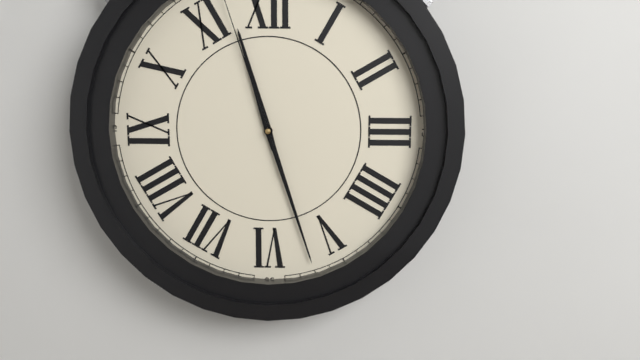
11:27
